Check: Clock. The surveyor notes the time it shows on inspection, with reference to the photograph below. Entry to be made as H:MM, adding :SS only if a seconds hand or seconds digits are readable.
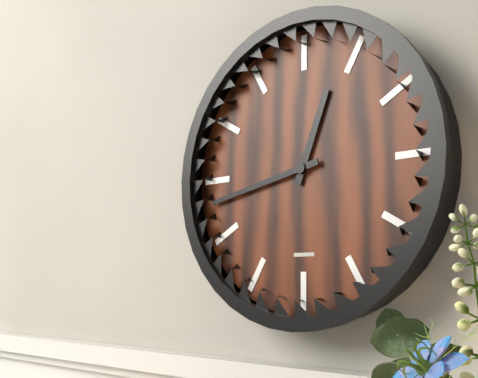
12:43
